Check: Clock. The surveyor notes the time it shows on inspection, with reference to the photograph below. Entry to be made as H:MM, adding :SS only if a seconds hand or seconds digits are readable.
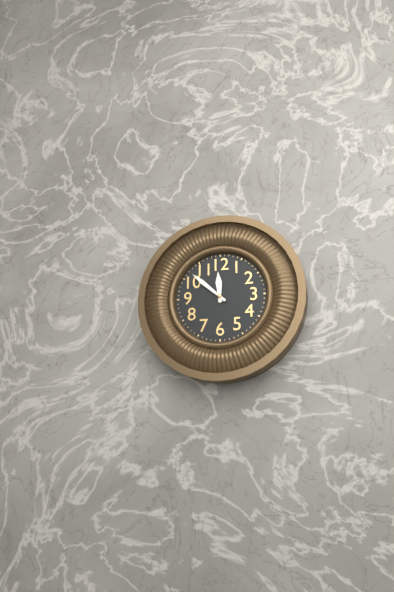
11:52
